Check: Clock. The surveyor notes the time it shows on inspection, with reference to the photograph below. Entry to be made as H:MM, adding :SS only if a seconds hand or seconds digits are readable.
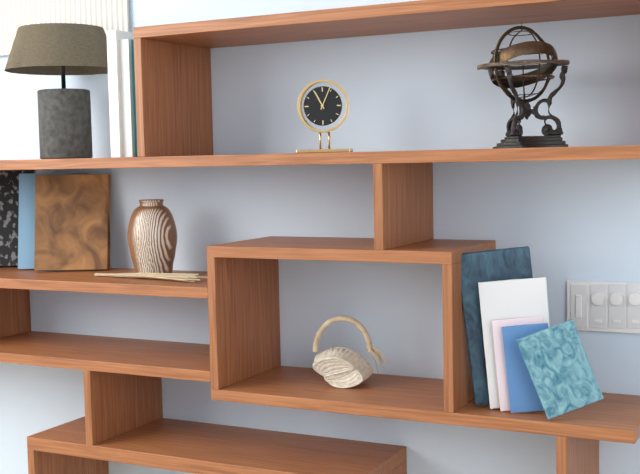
11:04
